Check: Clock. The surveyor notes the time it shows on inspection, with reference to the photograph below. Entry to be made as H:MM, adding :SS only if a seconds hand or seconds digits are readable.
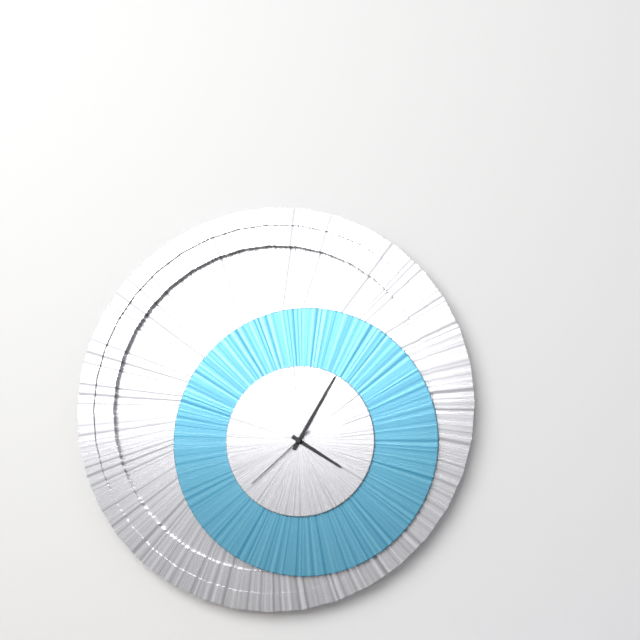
4:05:38
